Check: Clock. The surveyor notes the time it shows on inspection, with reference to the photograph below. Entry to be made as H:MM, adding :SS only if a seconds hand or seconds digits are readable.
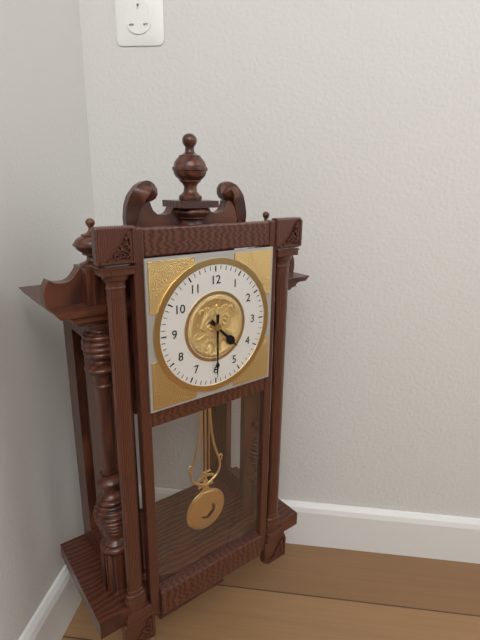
4:30
